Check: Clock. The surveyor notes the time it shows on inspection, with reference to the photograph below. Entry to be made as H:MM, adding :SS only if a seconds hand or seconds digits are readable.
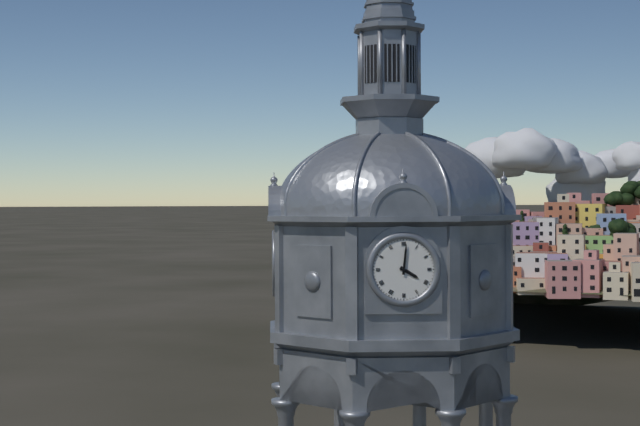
4:01
